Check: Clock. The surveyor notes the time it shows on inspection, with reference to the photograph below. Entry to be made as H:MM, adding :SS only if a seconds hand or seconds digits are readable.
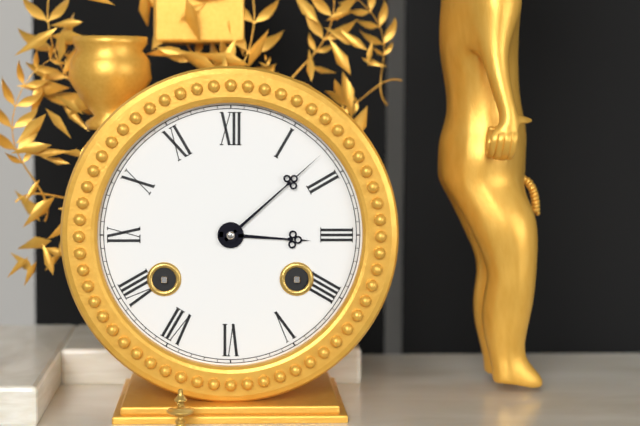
3:08
